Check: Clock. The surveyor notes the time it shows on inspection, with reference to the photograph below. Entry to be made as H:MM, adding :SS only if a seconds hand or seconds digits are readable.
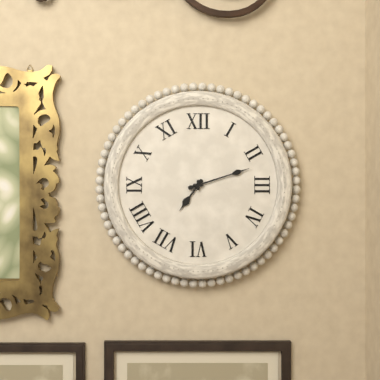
7:12
